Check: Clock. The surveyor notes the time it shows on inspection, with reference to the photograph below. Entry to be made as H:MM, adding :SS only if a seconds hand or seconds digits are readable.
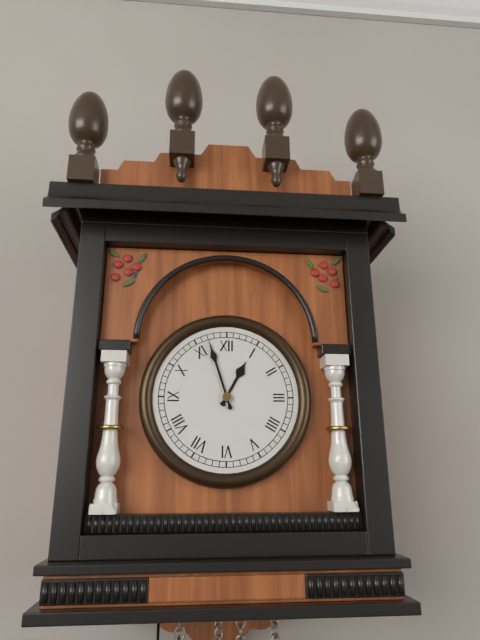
12:57
